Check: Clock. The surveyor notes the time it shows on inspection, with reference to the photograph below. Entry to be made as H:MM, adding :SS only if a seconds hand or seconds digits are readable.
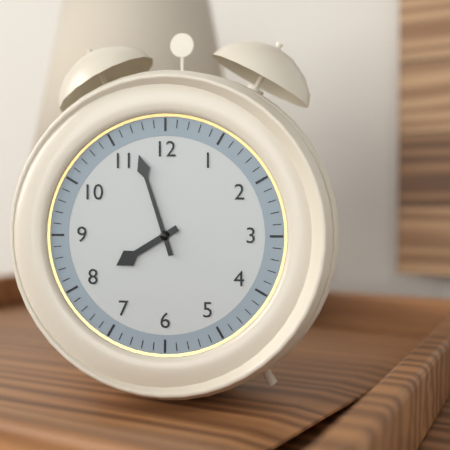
7:57
